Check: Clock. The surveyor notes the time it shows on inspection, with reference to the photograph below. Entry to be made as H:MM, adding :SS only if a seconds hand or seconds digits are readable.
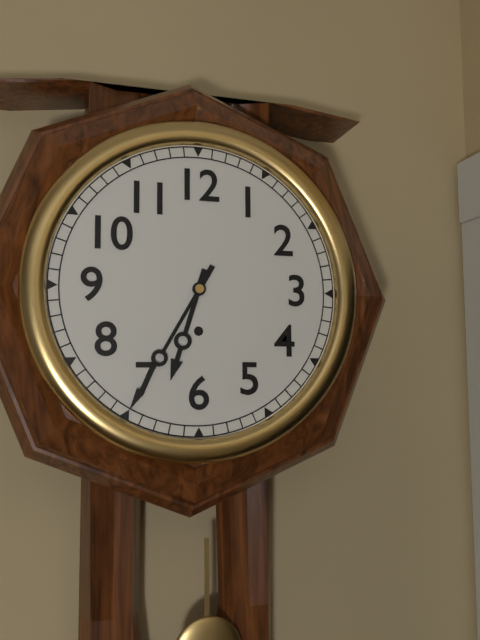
6:35
